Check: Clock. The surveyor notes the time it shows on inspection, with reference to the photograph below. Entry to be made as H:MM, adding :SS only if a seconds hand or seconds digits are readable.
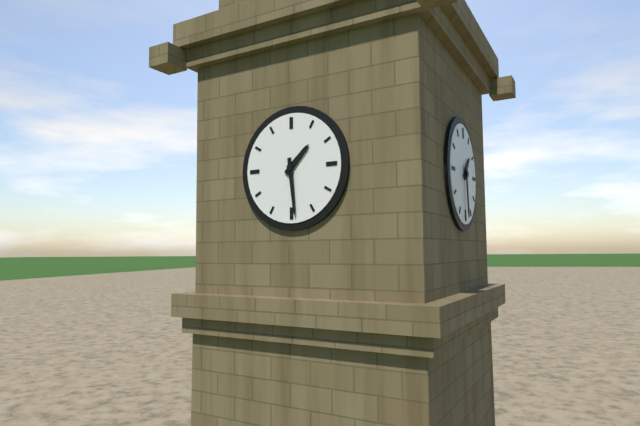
1:29
